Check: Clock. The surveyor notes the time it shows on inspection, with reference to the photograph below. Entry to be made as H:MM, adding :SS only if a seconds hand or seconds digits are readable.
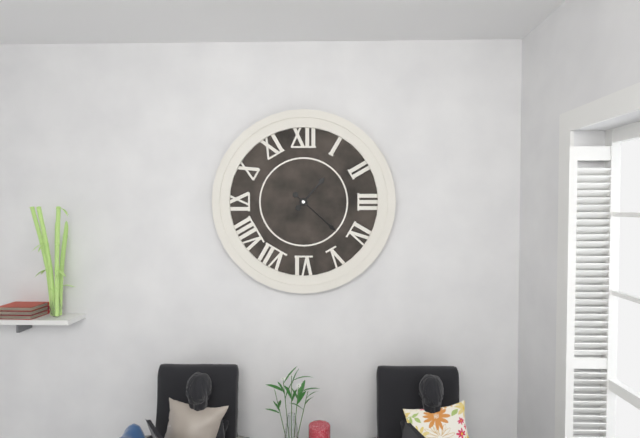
1:22
